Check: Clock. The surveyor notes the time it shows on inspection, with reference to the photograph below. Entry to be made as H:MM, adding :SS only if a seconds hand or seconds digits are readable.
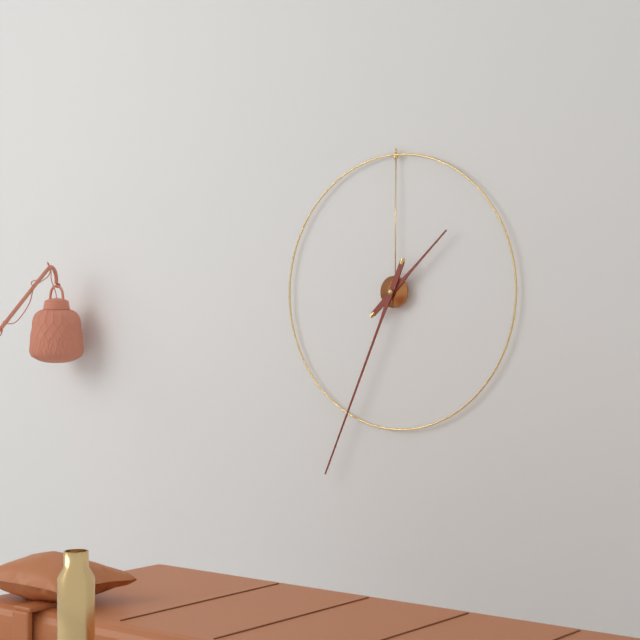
1:34
